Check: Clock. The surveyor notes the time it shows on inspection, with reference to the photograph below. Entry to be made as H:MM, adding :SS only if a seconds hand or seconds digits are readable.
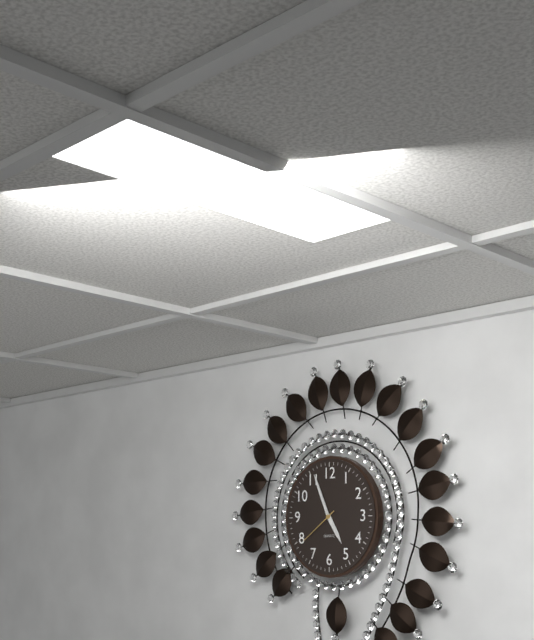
4:56
